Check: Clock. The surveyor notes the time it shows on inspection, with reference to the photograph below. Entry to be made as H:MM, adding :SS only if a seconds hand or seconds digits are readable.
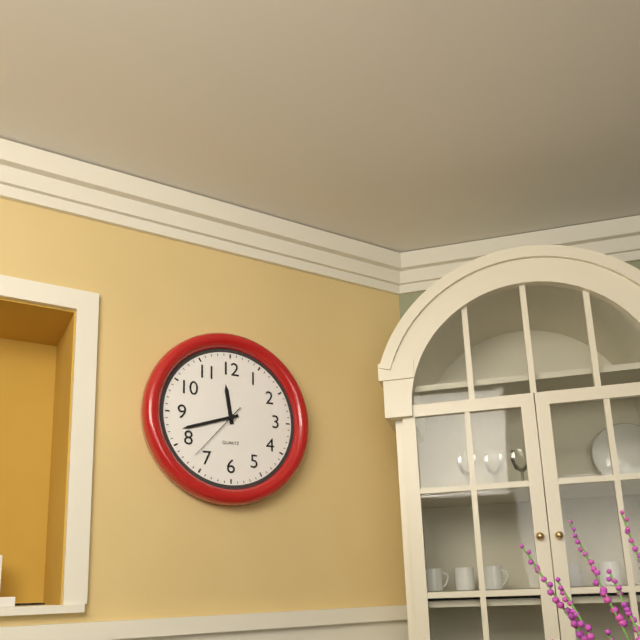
11:42:37
